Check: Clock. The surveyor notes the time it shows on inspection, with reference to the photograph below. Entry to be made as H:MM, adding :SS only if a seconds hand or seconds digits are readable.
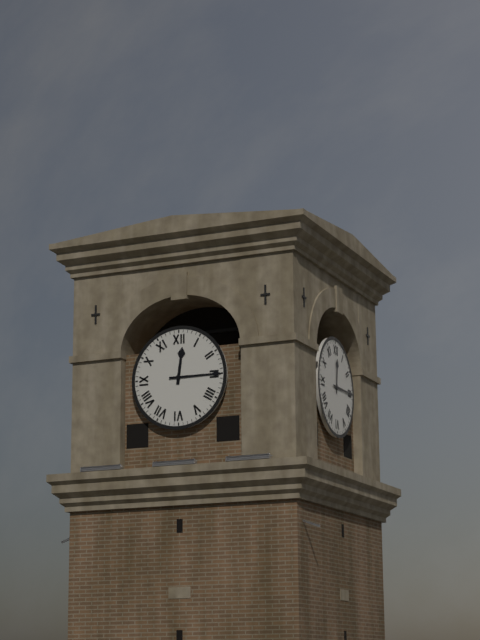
12:15
